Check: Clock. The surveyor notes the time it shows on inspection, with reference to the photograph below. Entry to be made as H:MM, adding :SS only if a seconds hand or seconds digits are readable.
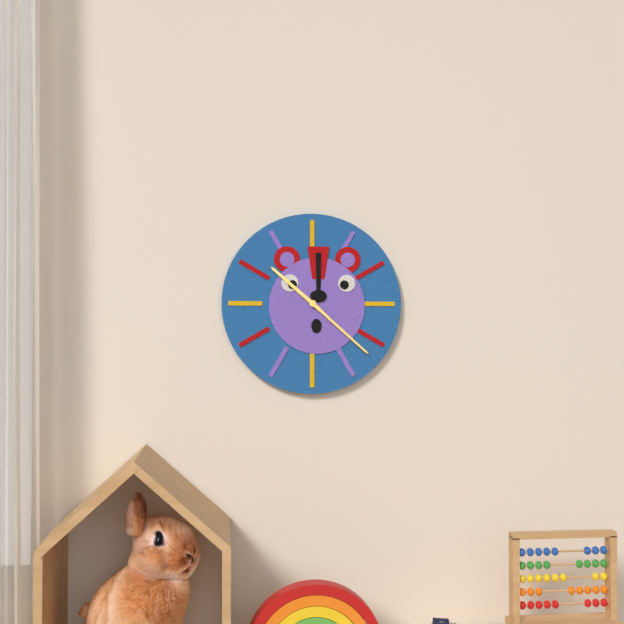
10:22
